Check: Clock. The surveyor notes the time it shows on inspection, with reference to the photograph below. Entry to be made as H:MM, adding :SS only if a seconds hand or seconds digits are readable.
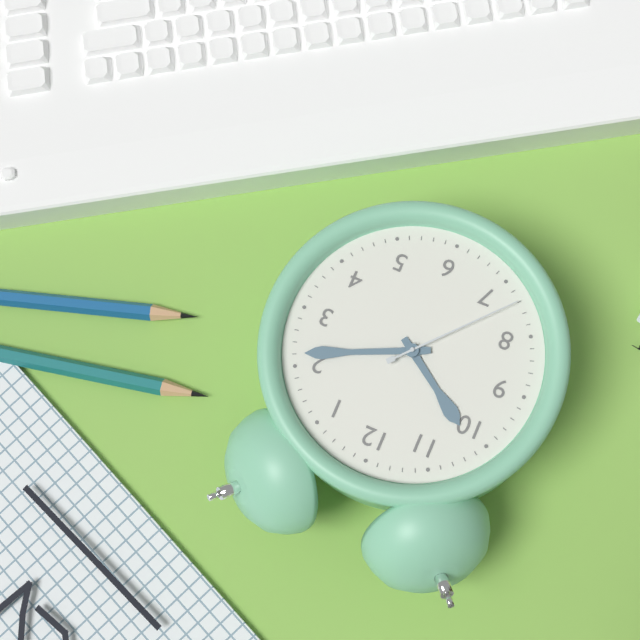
10:11:37
